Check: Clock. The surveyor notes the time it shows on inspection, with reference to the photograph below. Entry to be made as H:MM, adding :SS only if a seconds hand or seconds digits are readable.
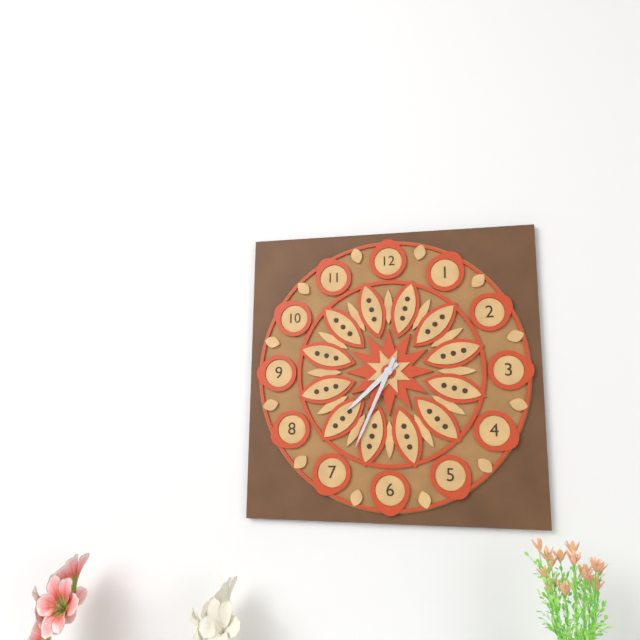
7:34
